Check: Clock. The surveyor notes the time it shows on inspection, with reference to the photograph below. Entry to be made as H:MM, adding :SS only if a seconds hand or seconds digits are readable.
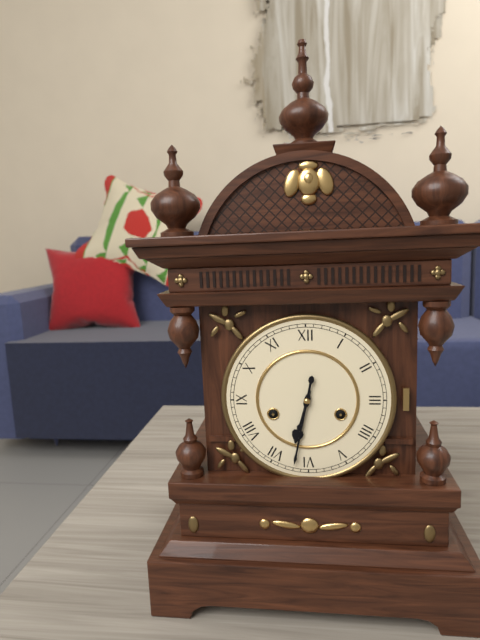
6:32
